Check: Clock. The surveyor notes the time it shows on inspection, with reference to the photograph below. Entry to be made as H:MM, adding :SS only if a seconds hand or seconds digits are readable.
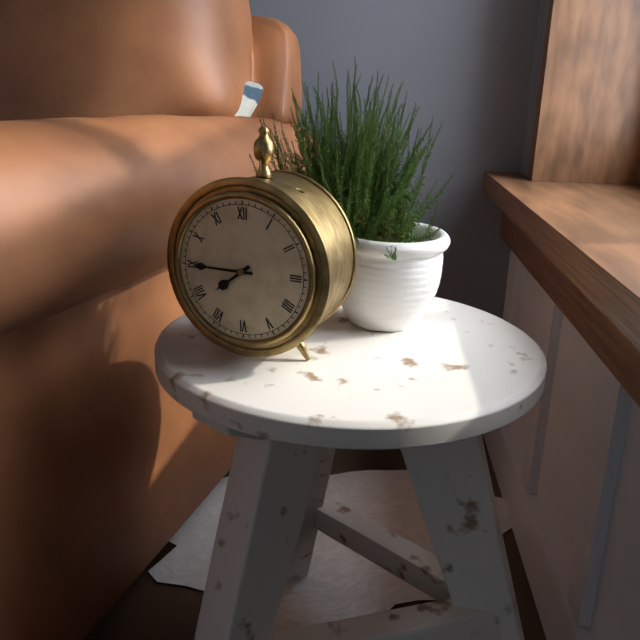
7:45
